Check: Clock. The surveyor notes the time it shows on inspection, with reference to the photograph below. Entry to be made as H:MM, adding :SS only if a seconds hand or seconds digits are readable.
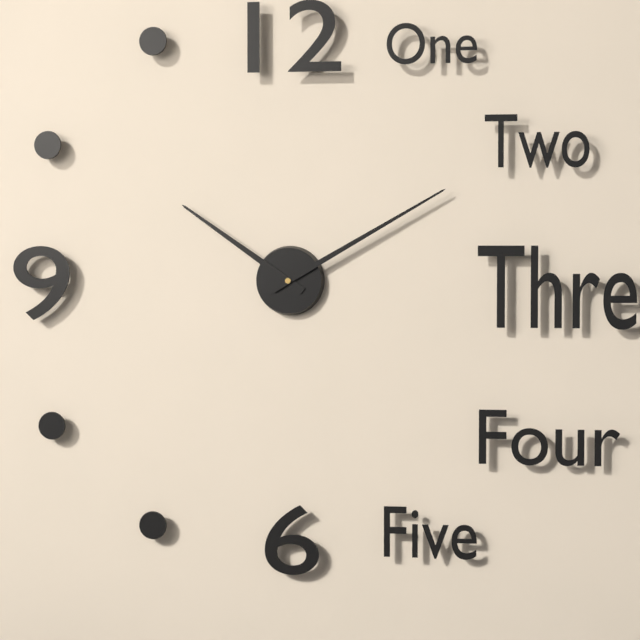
10:10
